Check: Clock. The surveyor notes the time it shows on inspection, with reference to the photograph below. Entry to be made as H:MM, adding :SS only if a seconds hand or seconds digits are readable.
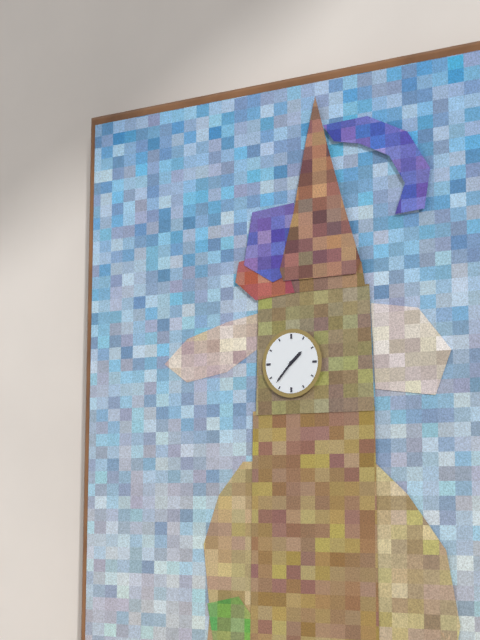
1:37
